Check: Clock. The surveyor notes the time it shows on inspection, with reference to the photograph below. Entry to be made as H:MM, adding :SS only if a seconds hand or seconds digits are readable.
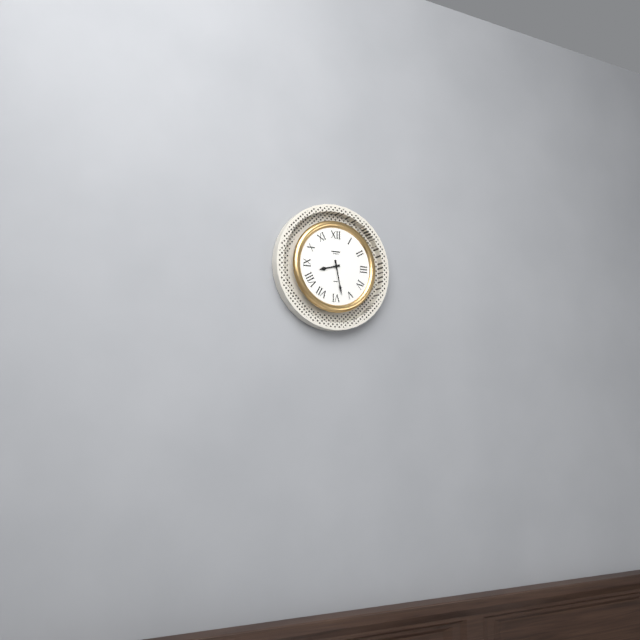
8:28
